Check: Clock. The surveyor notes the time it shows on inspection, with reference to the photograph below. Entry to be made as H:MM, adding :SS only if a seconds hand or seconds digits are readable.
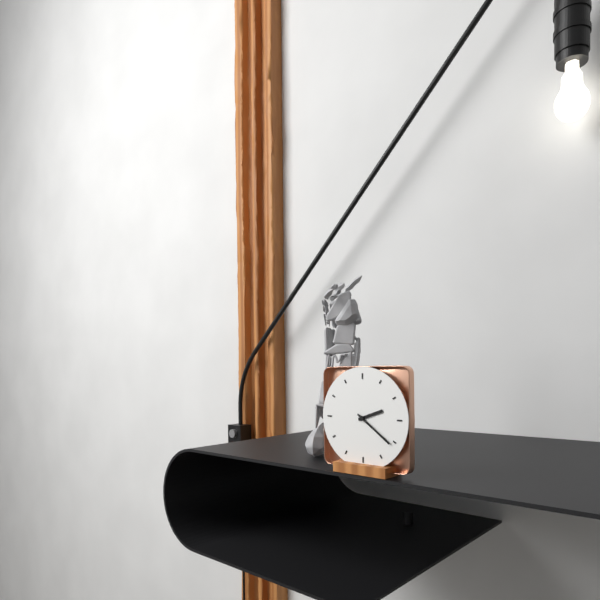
2:21
